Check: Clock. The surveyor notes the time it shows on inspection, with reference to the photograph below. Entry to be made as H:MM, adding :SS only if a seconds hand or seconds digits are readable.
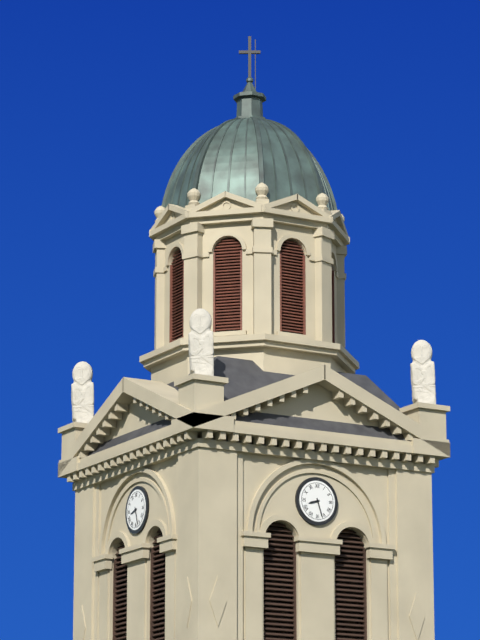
8:27
